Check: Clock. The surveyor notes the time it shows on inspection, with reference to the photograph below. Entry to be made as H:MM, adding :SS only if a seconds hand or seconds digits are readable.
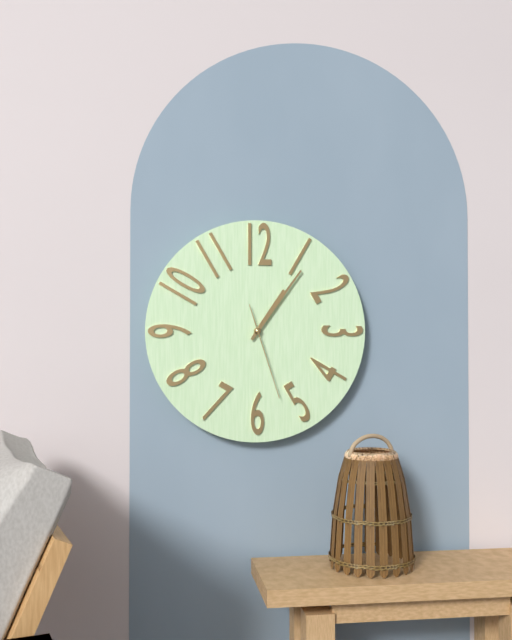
1:06:27
